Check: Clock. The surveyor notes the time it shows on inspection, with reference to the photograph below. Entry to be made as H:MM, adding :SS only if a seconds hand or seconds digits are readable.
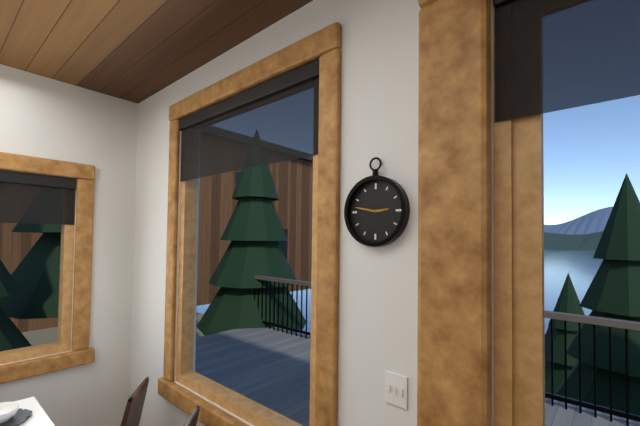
2:47
